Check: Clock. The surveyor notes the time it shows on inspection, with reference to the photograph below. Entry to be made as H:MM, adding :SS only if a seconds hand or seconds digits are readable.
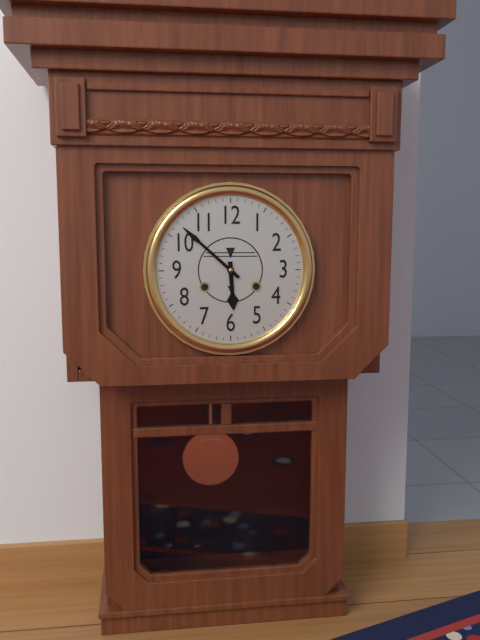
5:52
